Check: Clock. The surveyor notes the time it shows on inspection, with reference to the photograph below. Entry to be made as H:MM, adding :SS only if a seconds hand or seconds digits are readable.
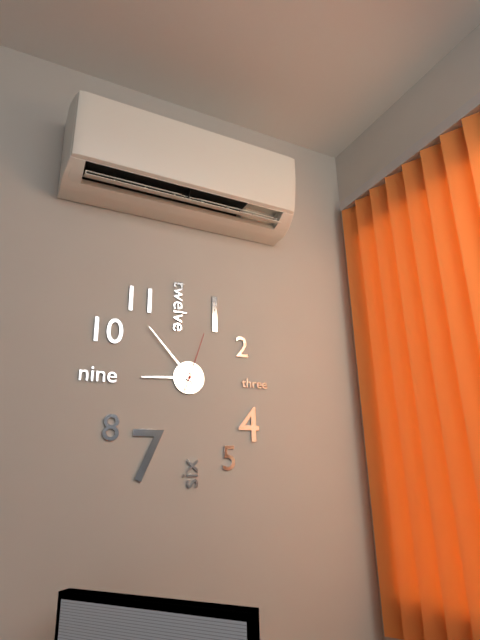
8:53:03
